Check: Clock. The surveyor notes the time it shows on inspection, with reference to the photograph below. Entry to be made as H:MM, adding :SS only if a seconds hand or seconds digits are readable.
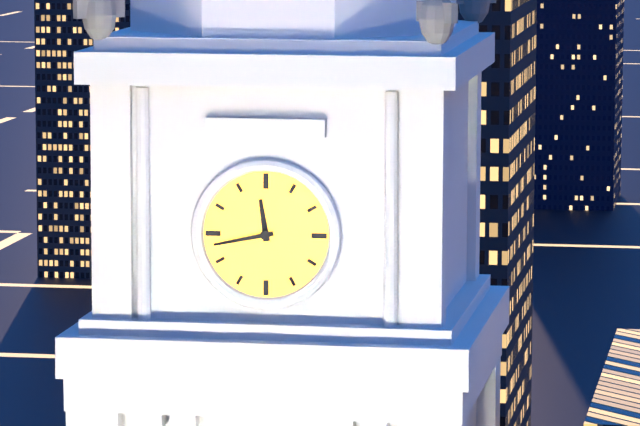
11:43
